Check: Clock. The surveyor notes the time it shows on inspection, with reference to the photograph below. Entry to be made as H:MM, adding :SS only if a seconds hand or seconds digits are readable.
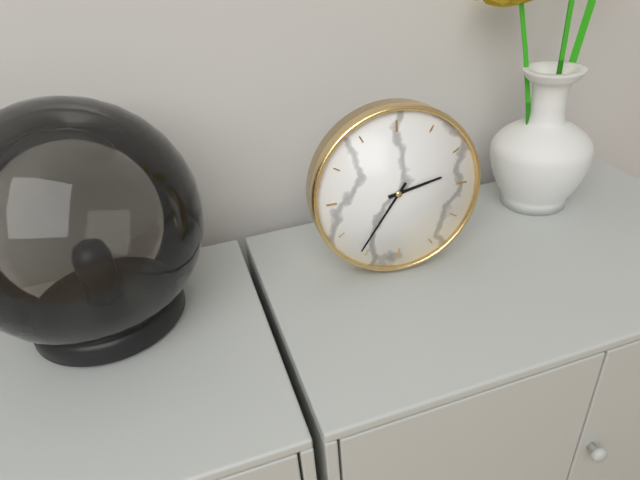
2:36
